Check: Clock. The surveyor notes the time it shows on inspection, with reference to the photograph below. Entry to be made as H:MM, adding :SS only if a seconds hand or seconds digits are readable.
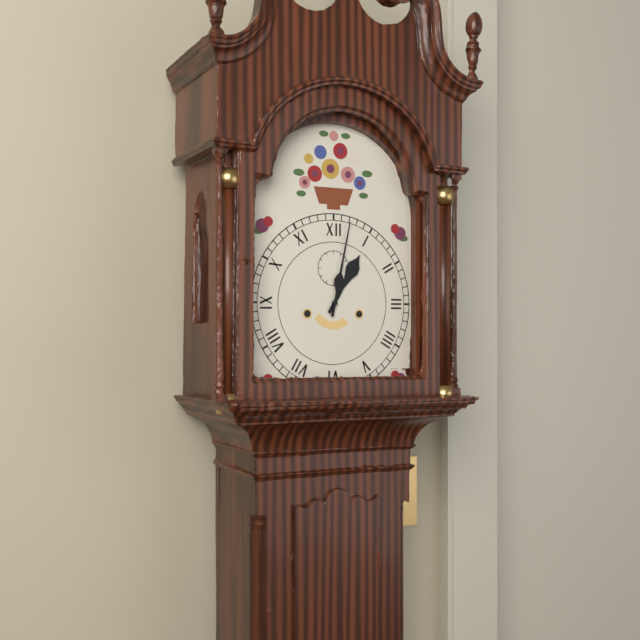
1:02
